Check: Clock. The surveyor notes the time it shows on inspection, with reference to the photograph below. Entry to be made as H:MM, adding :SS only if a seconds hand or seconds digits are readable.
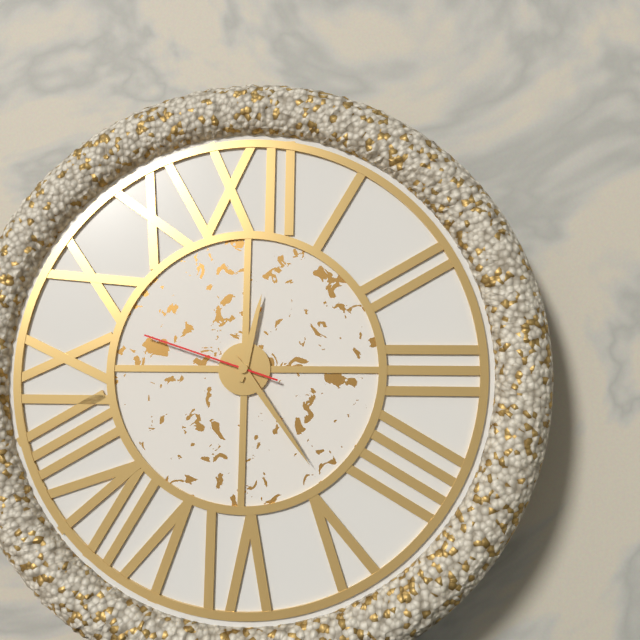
12:24:48
